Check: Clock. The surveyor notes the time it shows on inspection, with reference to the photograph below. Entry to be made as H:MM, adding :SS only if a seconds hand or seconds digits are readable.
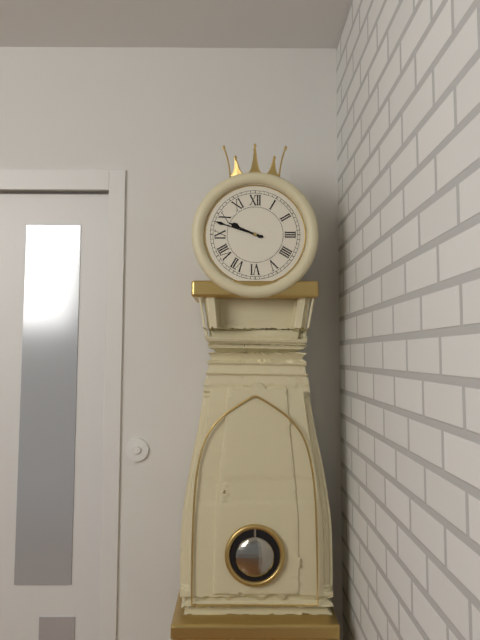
9:48
